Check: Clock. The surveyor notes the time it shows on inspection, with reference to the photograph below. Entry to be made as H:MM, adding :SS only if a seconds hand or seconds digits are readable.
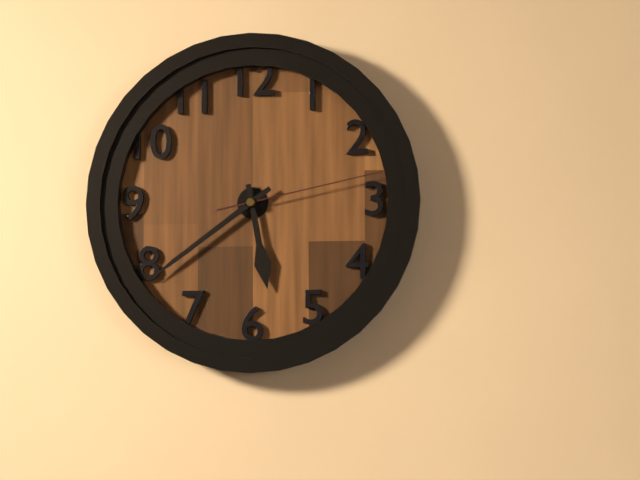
5:39:13
